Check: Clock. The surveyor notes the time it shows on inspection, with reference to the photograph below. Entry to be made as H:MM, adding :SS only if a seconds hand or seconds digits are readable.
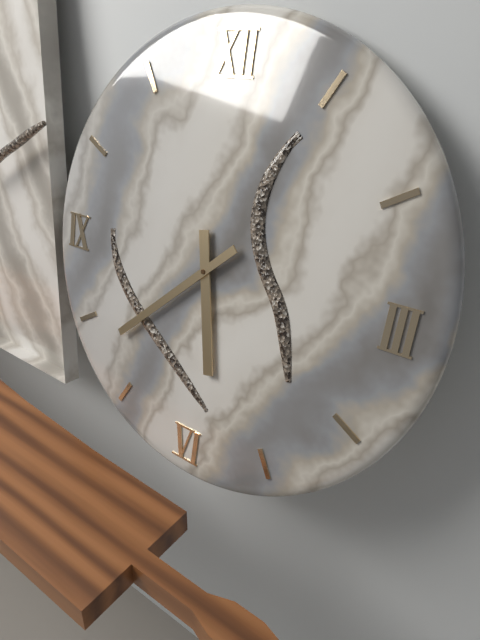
5:38
